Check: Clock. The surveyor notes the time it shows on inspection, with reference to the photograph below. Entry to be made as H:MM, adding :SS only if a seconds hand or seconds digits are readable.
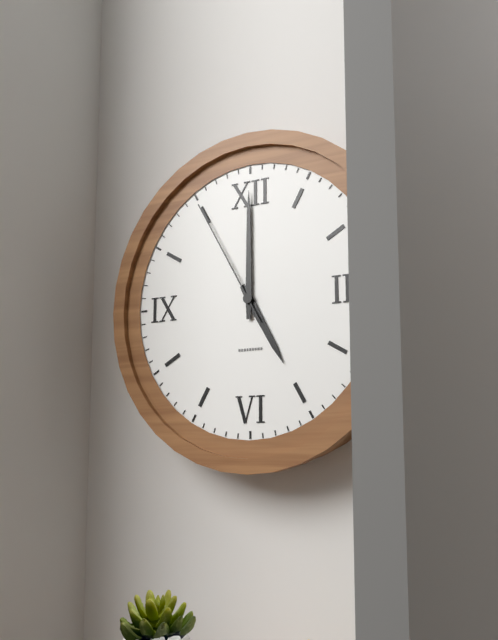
5:00:55
